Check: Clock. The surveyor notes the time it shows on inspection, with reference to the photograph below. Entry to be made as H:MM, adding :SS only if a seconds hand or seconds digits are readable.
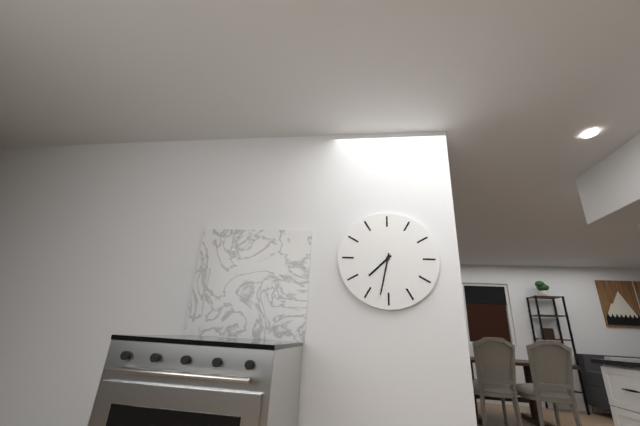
7:32
